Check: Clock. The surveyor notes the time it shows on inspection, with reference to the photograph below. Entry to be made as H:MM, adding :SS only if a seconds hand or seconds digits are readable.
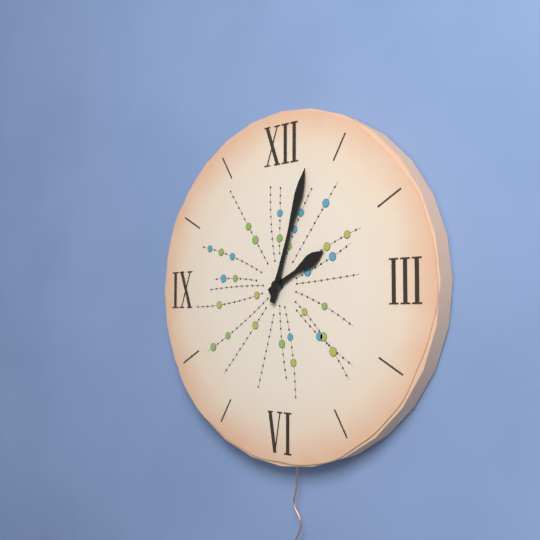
2:03
